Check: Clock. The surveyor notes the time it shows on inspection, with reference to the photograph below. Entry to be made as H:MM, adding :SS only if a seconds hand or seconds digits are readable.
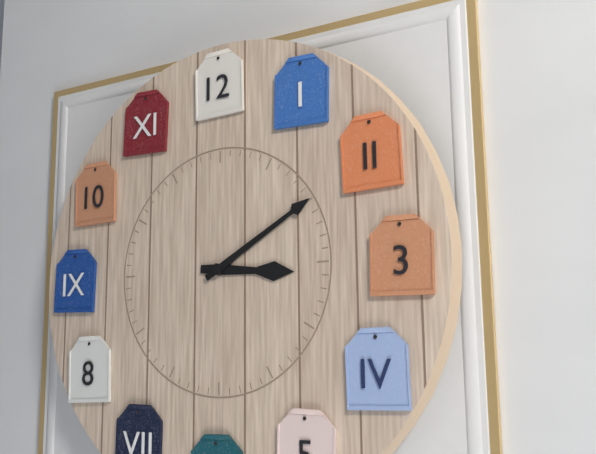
3:10
